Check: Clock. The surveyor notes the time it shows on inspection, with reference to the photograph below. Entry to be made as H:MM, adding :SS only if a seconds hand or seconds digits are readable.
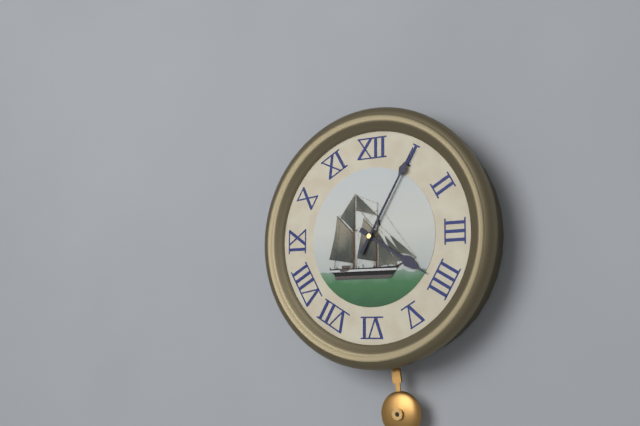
4:05
